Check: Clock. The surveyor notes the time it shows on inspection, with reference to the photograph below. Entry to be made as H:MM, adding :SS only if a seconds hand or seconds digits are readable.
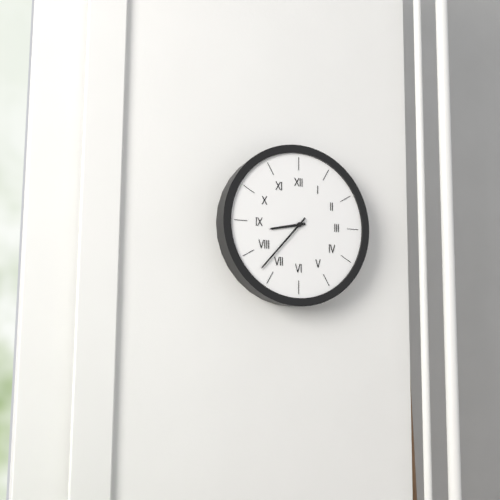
8:37
